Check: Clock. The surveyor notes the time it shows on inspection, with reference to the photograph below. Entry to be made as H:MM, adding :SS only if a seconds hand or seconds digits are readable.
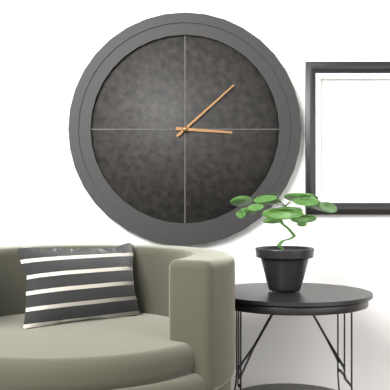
3:08
